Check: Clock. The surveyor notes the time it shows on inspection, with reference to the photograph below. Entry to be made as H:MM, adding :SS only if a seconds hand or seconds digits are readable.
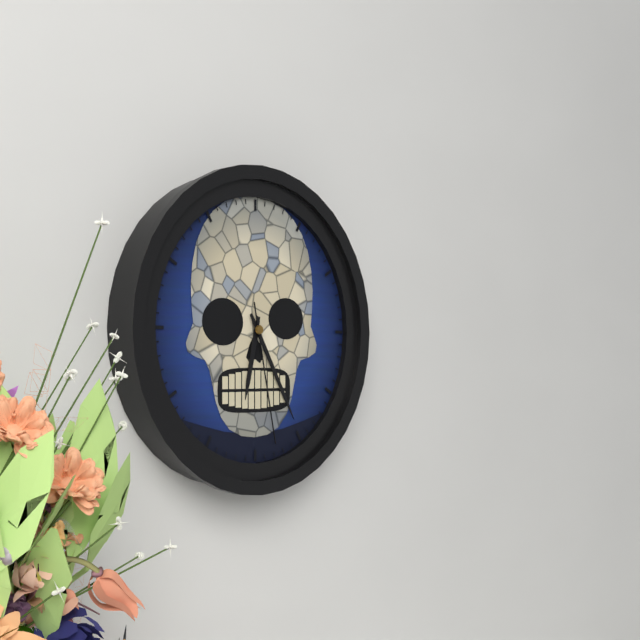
6:25:28
